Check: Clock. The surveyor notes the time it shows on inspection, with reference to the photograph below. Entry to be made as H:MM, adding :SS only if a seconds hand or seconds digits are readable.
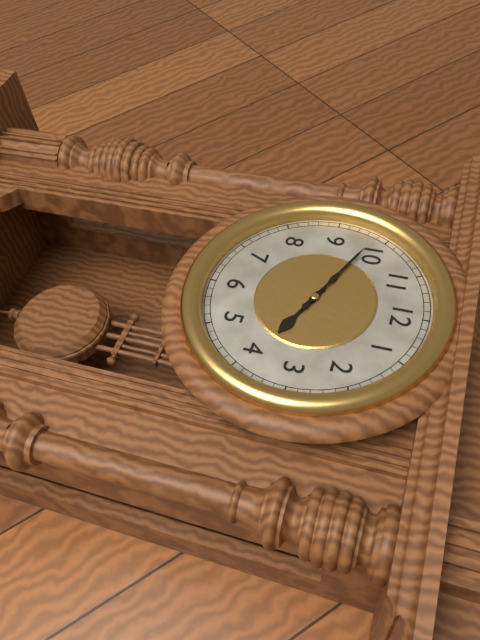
3:49
